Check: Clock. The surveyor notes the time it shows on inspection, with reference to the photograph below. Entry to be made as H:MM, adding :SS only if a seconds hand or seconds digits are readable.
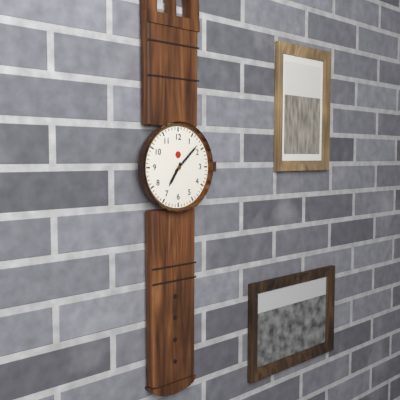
7:08
